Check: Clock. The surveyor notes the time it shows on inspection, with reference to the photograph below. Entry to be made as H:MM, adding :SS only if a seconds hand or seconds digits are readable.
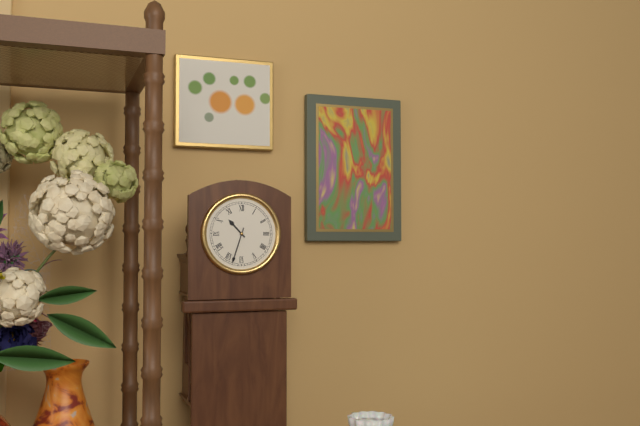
10:33
